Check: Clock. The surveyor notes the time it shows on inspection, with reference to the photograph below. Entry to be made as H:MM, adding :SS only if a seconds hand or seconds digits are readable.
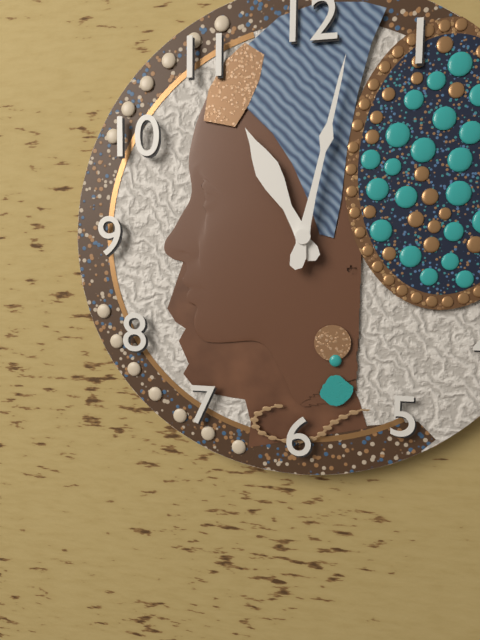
11:02
